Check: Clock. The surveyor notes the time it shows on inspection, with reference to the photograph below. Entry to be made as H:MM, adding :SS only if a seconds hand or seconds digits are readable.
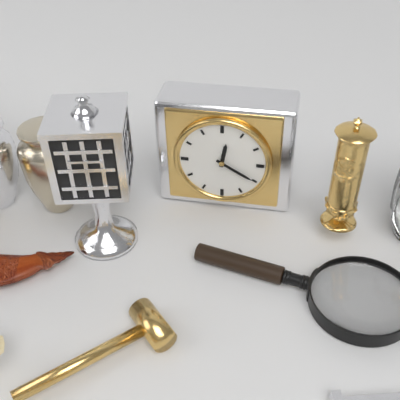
12:20
